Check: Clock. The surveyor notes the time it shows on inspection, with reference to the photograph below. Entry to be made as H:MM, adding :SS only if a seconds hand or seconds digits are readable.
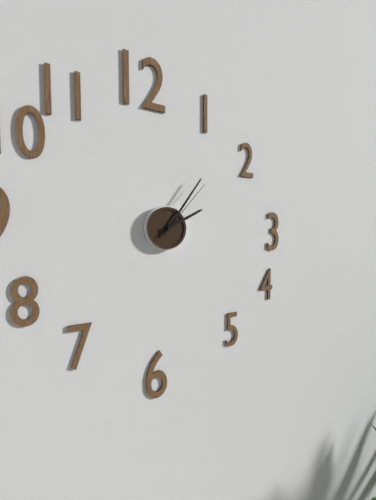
2:06:07
